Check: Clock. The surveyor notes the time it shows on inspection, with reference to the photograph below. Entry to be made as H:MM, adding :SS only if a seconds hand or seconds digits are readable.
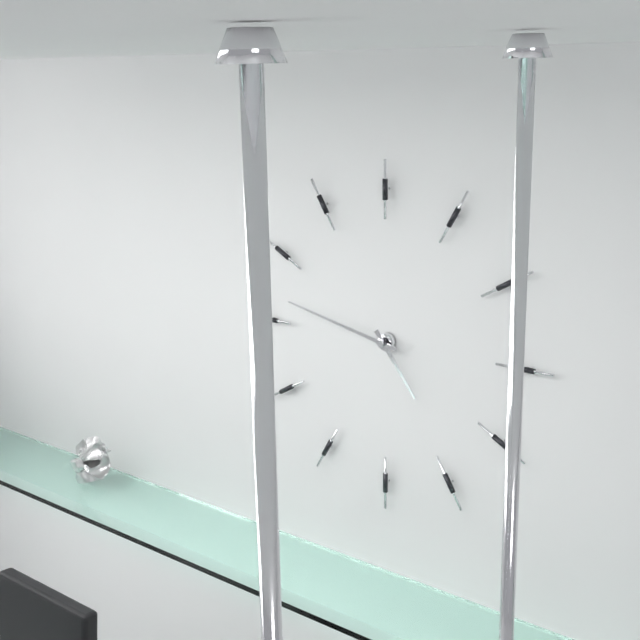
4:47
